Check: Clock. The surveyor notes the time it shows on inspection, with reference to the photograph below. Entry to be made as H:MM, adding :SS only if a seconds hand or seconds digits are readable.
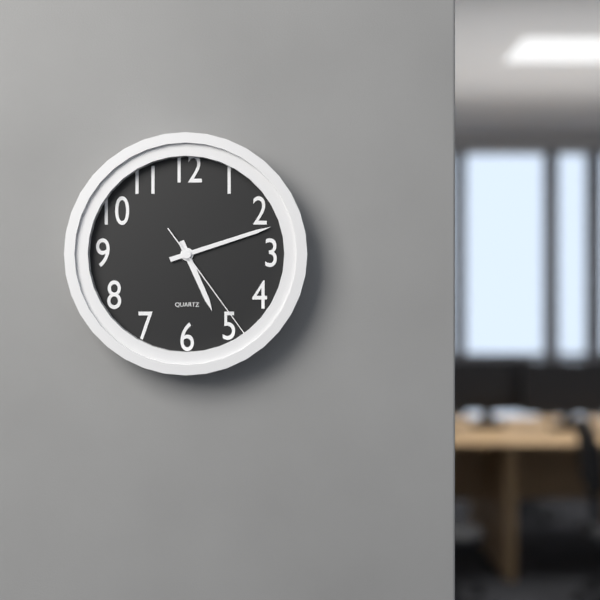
5:12:24
